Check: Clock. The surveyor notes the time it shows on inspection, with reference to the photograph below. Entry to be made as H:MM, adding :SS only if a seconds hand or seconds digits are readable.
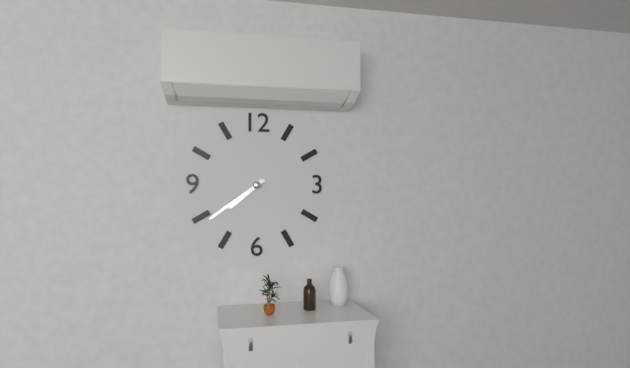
7:39
